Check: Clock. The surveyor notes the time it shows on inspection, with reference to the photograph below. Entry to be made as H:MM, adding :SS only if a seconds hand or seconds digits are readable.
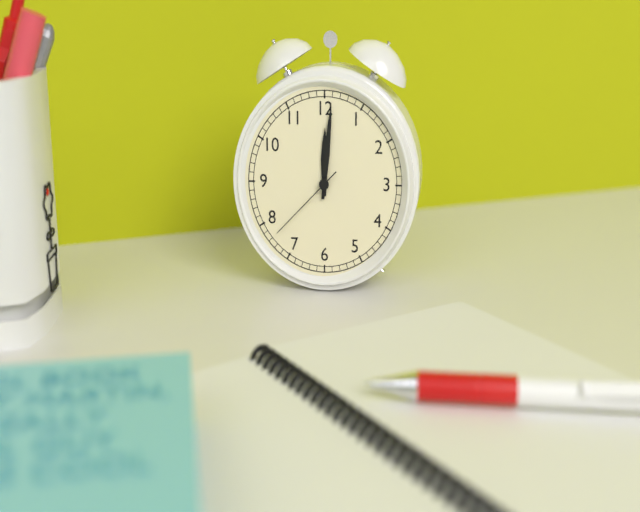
12:01:38
